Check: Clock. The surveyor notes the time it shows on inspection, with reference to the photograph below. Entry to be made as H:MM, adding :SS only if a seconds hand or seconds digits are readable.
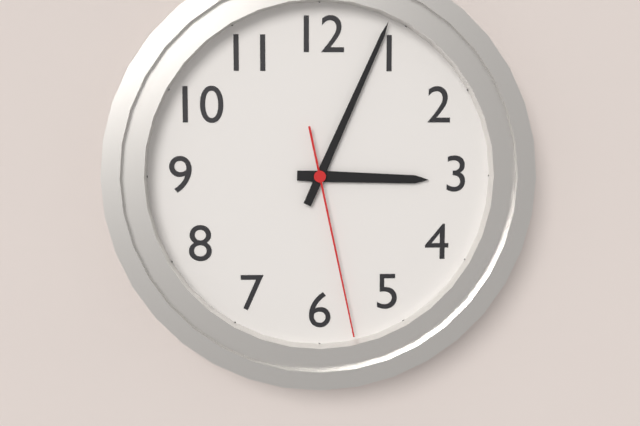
3:04:28
